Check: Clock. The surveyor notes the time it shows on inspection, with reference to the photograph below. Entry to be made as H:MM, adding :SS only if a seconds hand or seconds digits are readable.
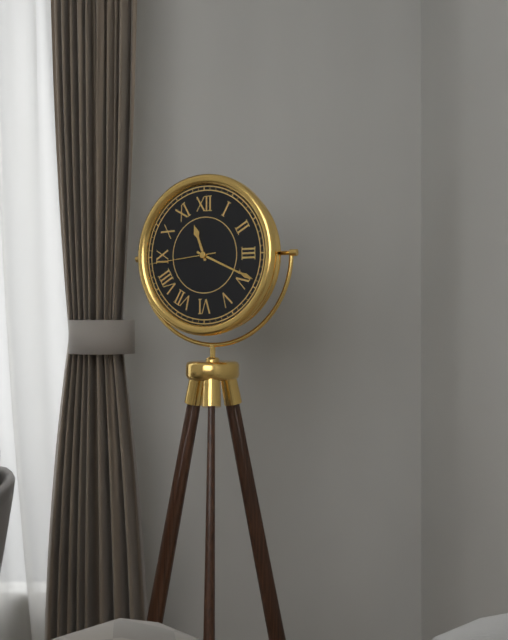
11:19:44
